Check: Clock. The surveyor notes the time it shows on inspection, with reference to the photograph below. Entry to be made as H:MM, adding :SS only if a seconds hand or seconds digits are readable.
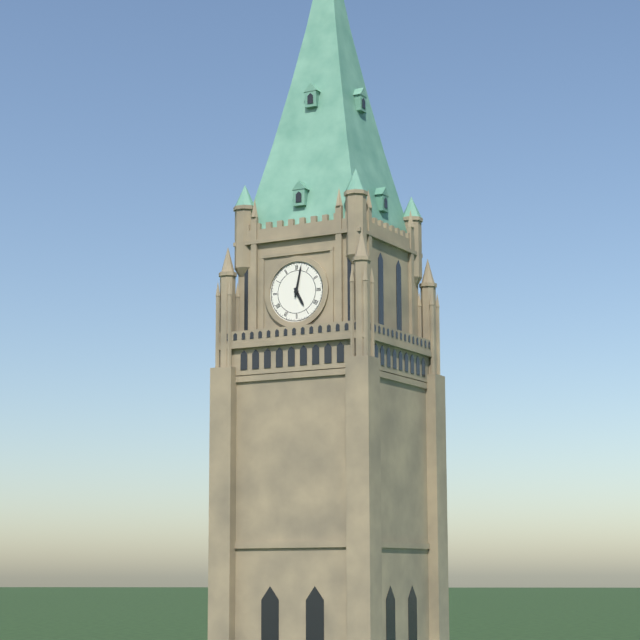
5:02
